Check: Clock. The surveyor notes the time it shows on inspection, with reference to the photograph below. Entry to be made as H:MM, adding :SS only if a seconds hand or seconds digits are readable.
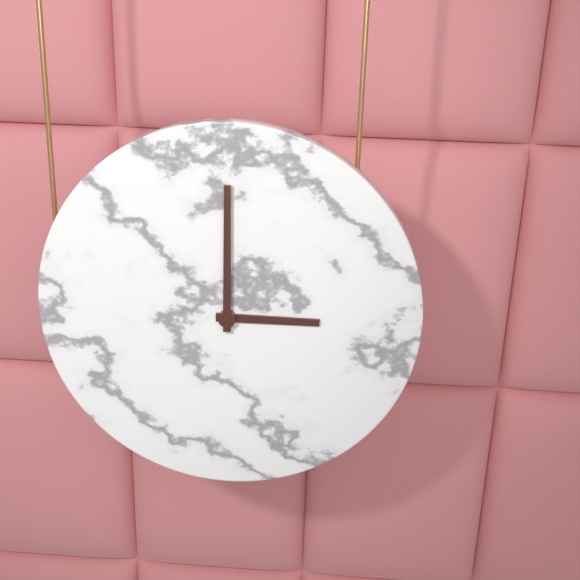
3:00
